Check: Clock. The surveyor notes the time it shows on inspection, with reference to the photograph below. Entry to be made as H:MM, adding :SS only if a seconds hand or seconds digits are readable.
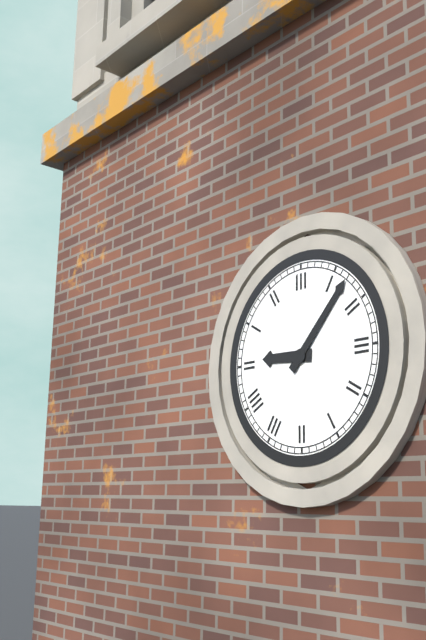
9:07
